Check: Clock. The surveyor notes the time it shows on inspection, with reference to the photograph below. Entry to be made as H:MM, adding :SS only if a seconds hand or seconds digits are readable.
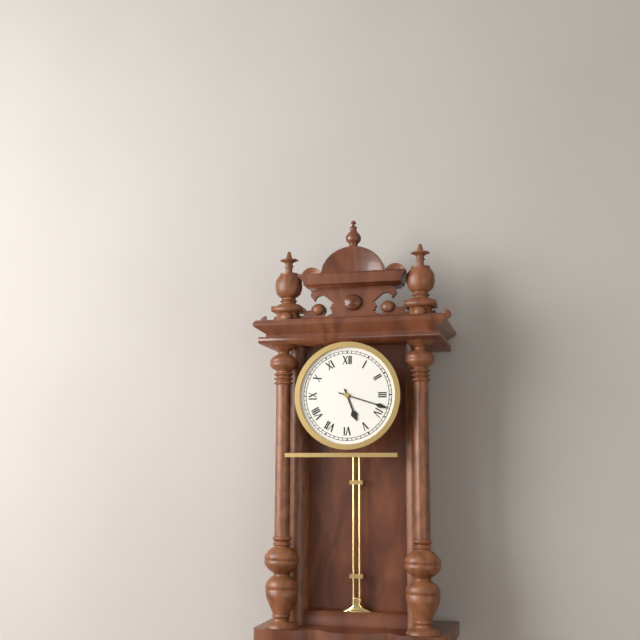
5:18
